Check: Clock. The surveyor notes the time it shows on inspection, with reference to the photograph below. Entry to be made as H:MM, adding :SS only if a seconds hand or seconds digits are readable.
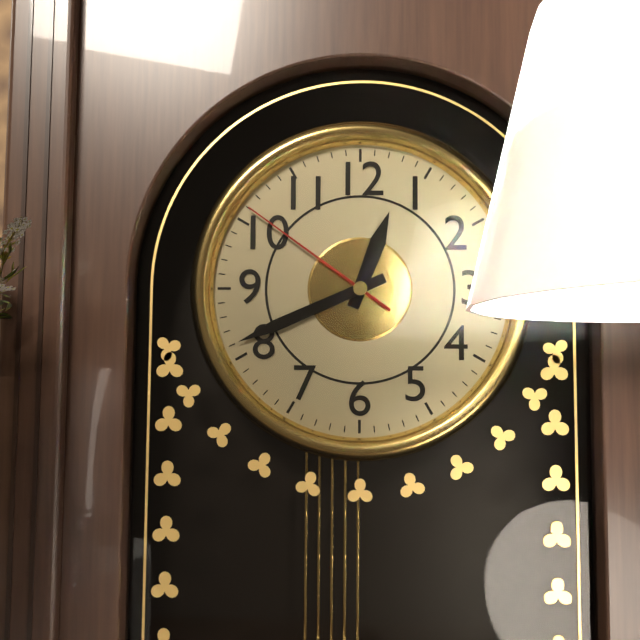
12:41:51
